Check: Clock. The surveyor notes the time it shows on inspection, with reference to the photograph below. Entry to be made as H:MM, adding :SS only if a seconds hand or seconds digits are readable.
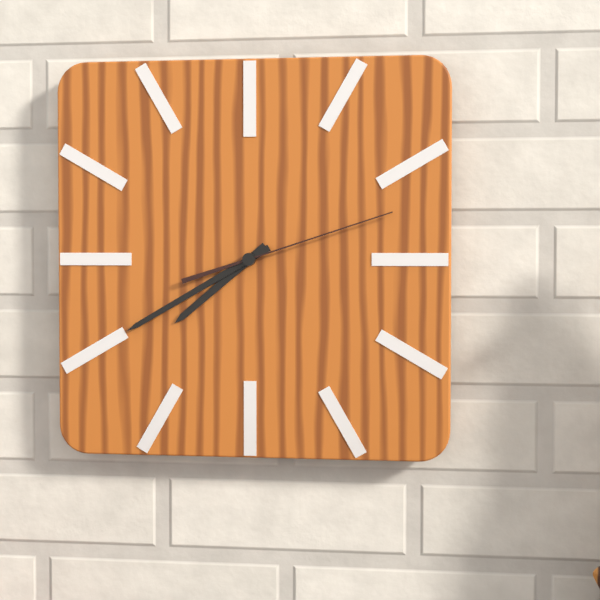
7:40:12
